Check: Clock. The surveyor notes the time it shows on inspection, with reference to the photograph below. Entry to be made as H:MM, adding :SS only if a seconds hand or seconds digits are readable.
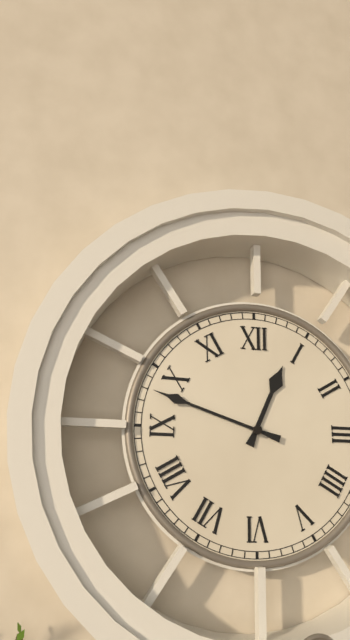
12:48
